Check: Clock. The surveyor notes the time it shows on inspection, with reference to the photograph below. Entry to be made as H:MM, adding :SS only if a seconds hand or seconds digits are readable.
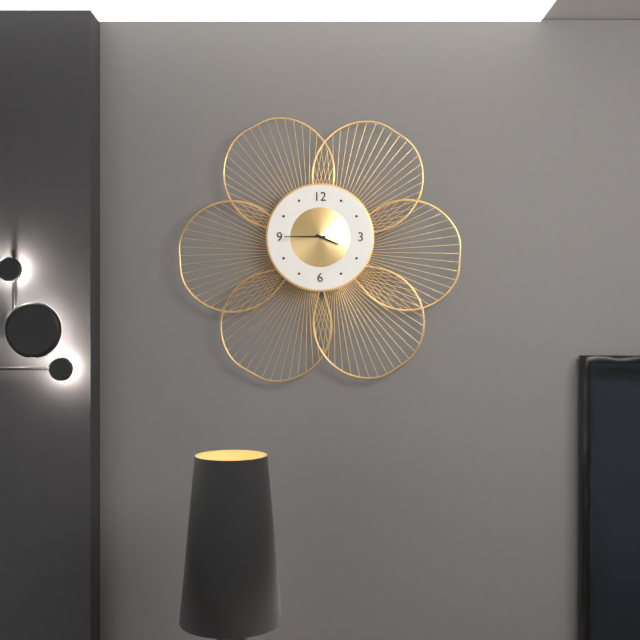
3:45
